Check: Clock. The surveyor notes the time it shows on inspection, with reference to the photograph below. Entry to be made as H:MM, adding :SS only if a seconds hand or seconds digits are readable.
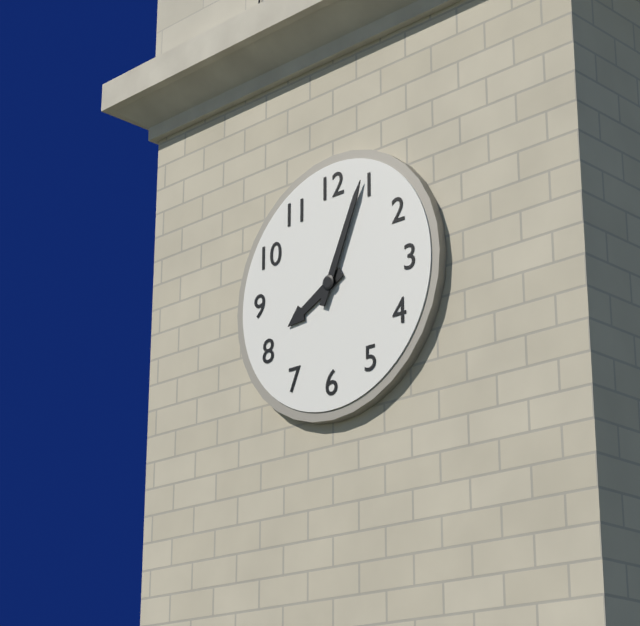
8:04
